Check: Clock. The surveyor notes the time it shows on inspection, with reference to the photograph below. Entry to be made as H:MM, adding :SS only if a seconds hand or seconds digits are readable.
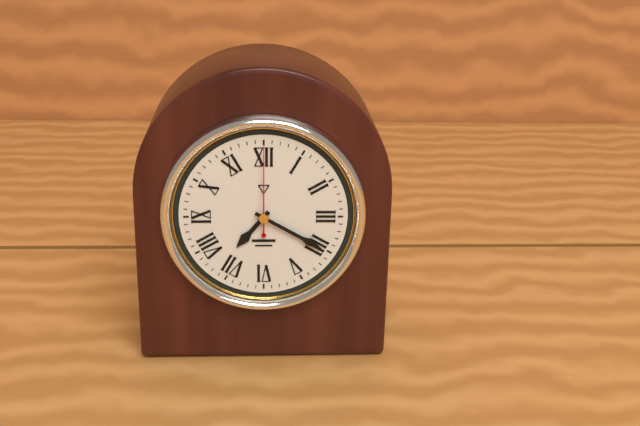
7:20:00
